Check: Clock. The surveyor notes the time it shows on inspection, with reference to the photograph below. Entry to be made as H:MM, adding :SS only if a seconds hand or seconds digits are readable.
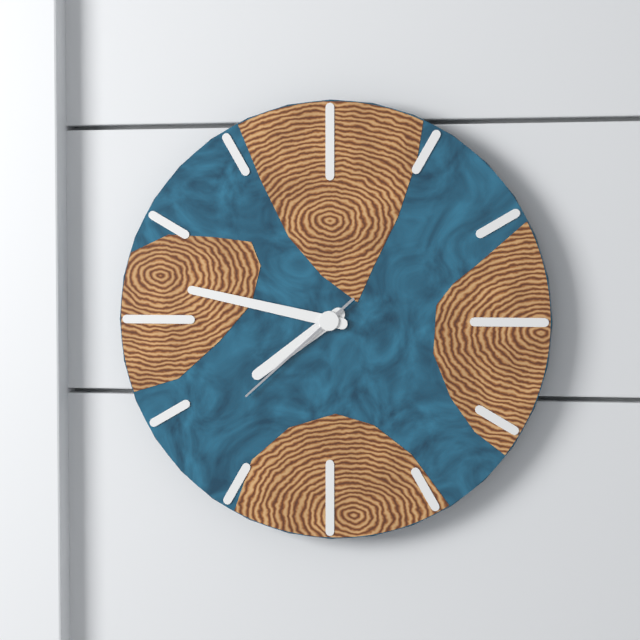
7:47:38
